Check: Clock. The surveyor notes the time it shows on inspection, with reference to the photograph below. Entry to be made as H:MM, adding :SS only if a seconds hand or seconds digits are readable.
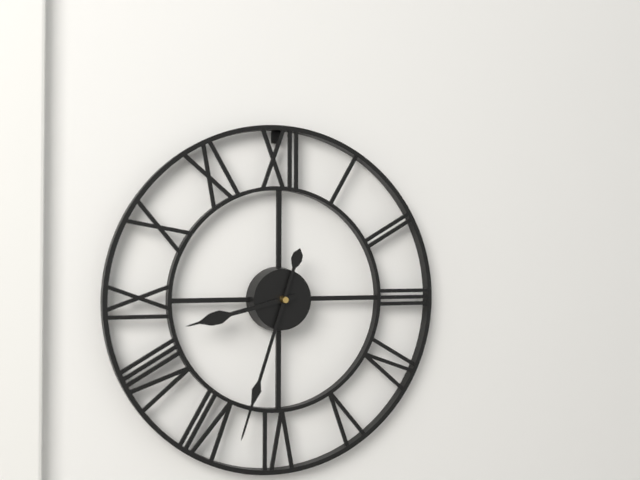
8:33
